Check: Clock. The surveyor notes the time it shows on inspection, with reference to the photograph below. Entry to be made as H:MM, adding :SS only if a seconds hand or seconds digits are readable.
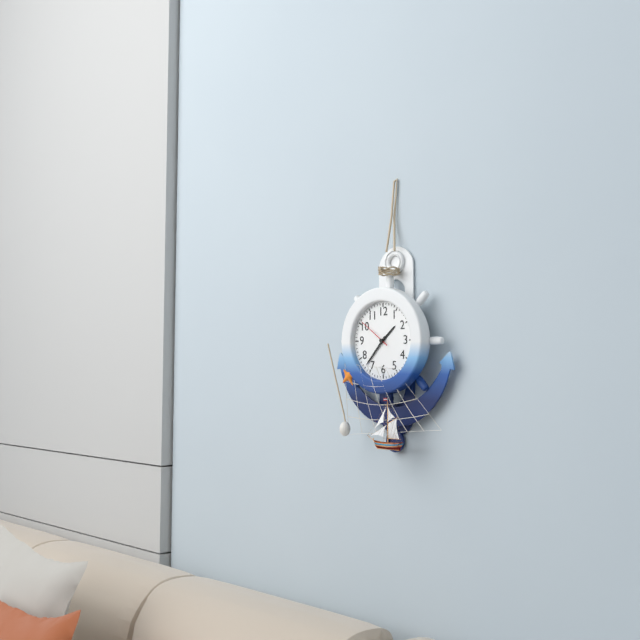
1:37:51
